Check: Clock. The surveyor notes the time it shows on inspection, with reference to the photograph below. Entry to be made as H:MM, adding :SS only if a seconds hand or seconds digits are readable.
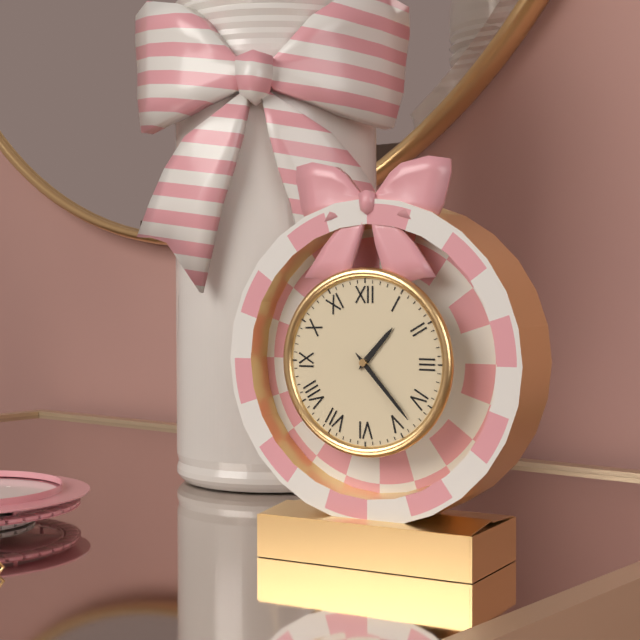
1:23
